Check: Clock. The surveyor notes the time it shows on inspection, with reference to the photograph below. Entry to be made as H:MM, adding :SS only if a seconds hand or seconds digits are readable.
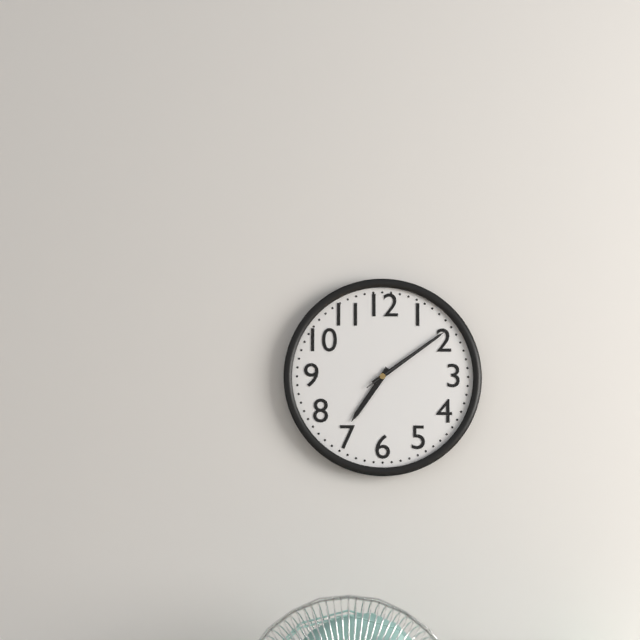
7:09:09
